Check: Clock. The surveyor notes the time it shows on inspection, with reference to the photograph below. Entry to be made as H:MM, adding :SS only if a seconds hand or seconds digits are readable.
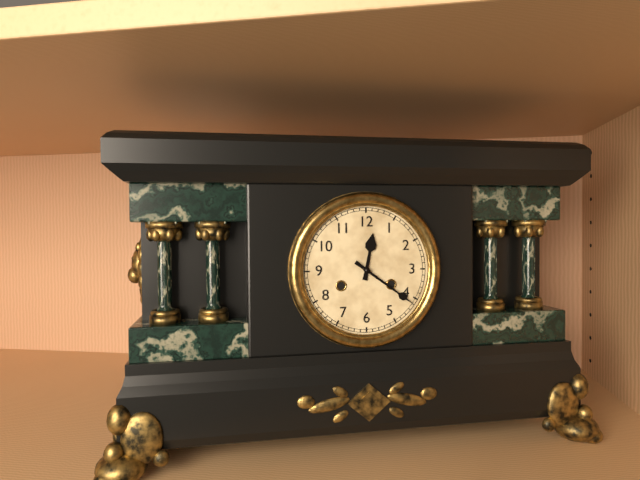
12:21
